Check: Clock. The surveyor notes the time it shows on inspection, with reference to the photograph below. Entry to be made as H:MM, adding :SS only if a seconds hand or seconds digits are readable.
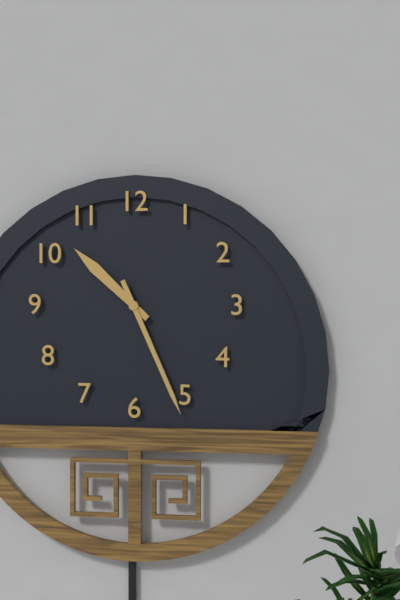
10:26
